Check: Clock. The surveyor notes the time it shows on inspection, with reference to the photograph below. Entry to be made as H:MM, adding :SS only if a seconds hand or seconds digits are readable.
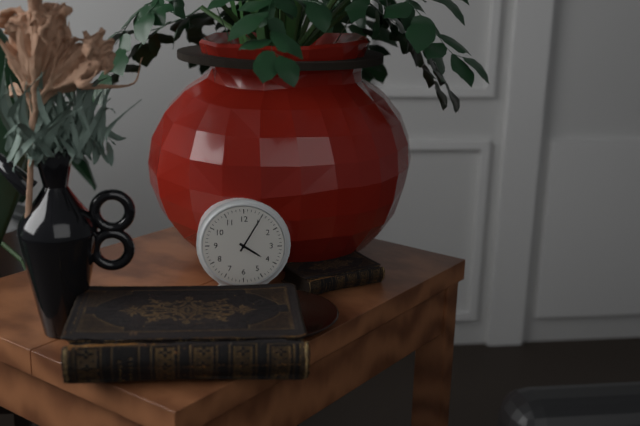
4:05
